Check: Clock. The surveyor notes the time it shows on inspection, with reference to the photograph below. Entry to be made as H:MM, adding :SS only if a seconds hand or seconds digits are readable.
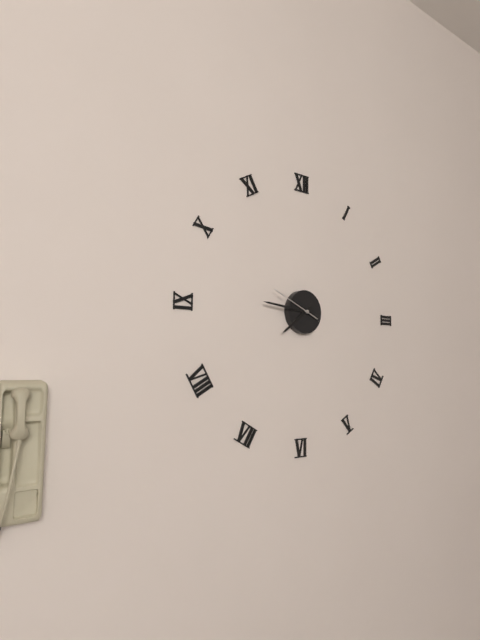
7:46
